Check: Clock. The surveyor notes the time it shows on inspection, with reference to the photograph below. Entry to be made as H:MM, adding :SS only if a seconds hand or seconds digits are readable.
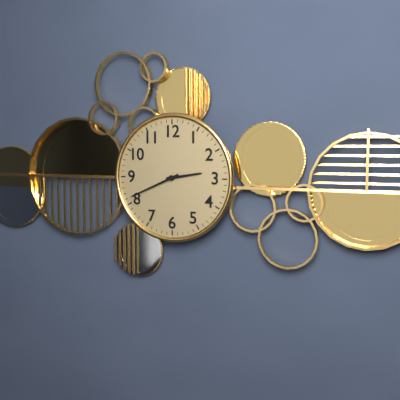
2:41
